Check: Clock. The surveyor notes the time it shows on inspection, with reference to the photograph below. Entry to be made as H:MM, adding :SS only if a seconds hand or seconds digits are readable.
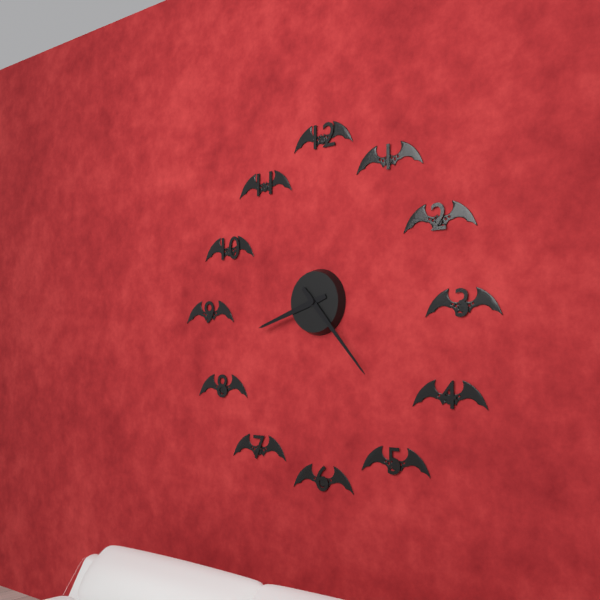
8:23
